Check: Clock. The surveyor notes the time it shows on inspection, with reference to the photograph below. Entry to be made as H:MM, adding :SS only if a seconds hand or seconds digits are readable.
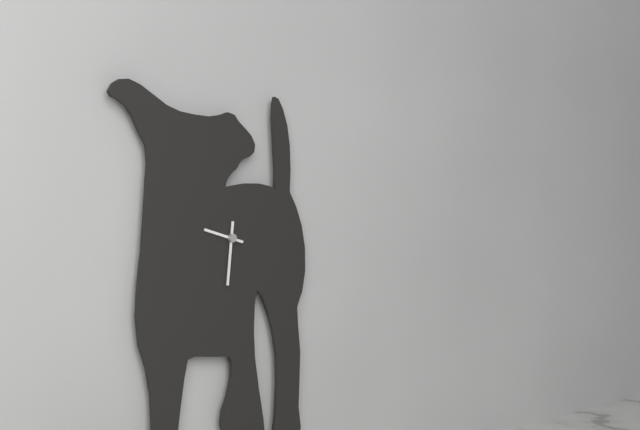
9:31
